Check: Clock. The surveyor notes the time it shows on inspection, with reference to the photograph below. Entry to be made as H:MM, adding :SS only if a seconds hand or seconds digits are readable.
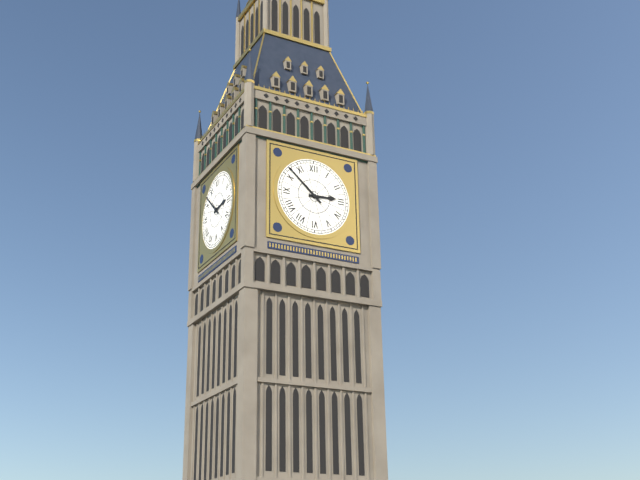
2:52
